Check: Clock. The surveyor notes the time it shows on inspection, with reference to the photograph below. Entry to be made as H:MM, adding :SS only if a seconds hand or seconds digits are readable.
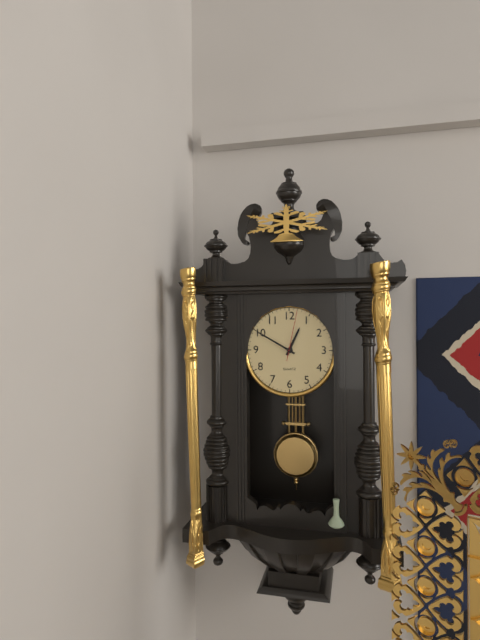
12:50:02
